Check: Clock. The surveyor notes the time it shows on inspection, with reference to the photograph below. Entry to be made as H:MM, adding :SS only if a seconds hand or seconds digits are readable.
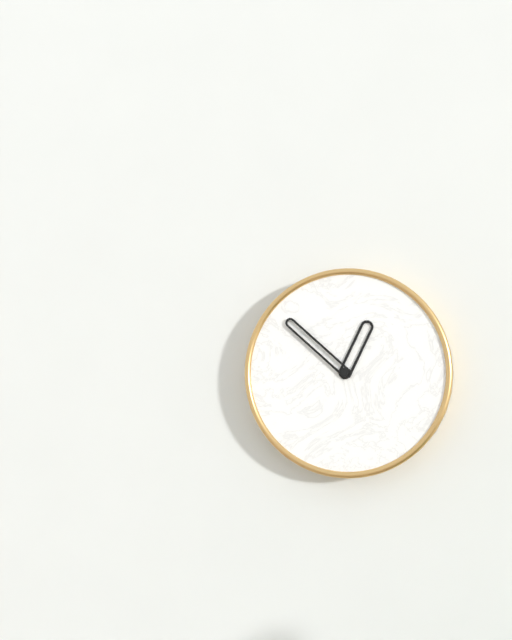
12:52
